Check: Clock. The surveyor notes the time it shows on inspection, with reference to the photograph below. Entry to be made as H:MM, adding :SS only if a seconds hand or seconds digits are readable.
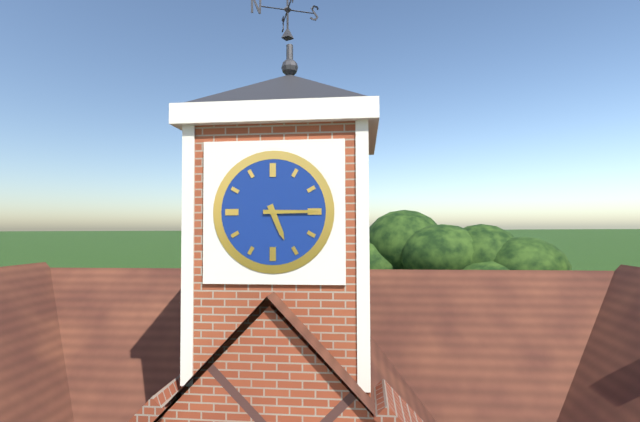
5:15
